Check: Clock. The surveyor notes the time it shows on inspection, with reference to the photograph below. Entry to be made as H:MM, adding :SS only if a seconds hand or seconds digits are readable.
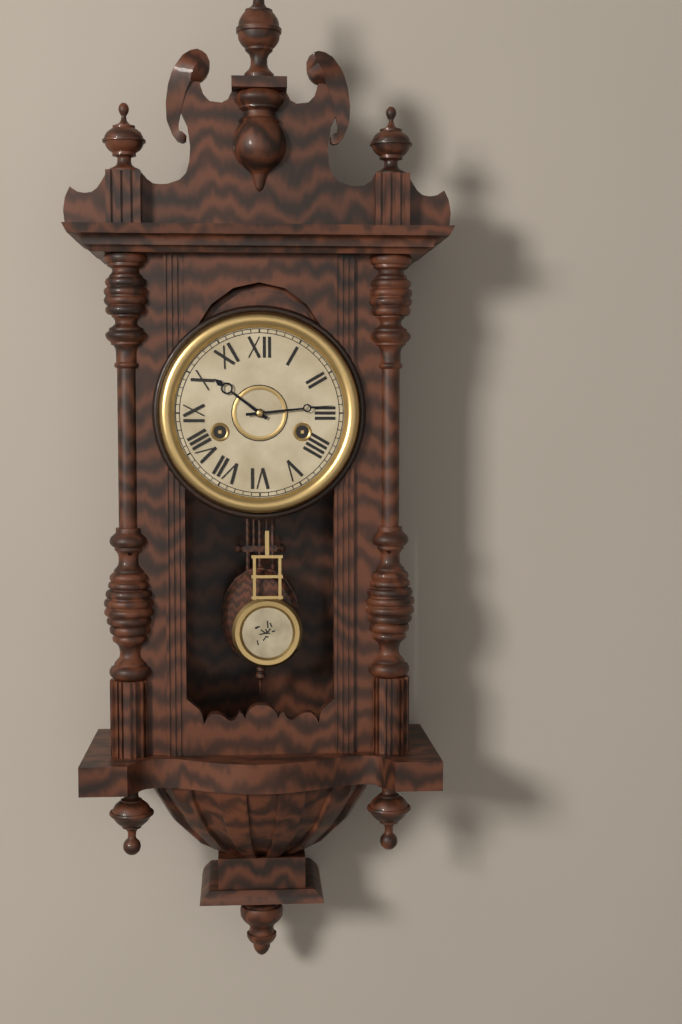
10:14
